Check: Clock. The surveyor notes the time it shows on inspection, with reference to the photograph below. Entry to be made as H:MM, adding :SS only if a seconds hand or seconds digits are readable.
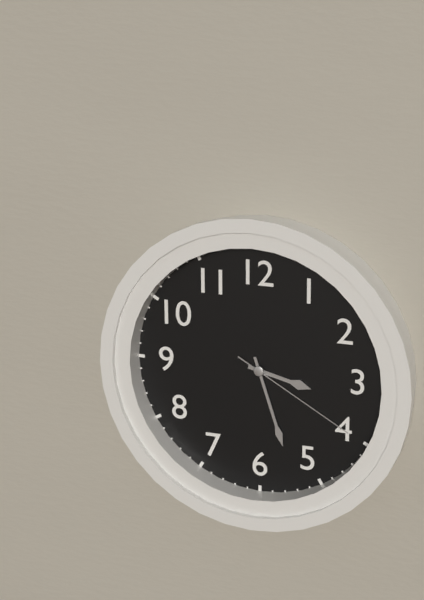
3:27:20
